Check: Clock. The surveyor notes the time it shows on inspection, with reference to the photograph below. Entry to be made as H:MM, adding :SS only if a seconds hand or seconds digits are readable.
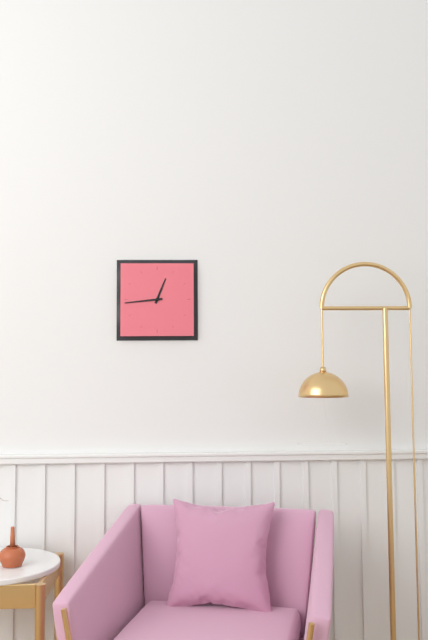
12:44
